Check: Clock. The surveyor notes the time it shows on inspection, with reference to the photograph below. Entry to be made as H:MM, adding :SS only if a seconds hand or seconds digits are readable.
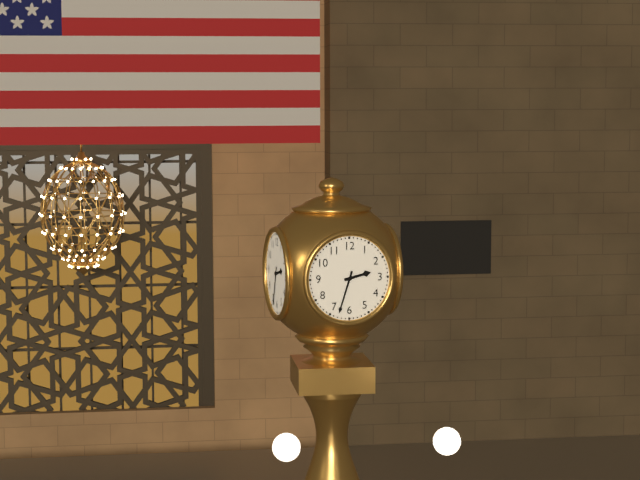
2:33
